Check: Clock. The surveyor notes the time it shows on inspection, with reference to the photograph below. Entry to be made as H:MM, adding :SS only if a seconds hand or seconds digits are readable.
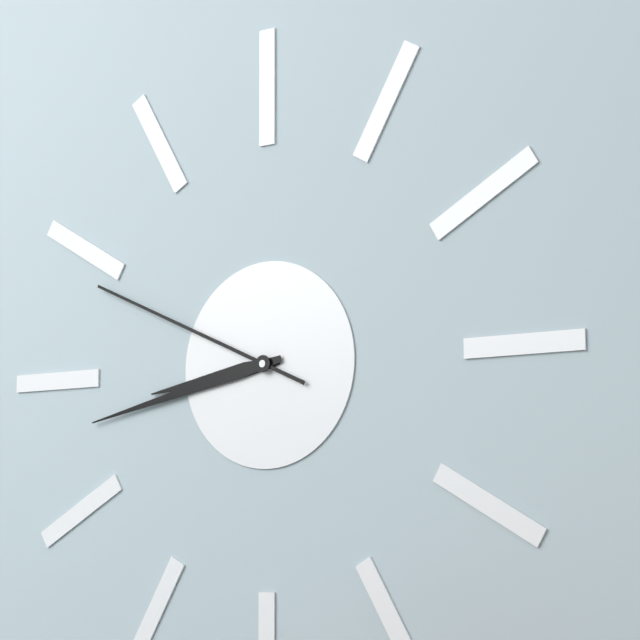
8:43:49
